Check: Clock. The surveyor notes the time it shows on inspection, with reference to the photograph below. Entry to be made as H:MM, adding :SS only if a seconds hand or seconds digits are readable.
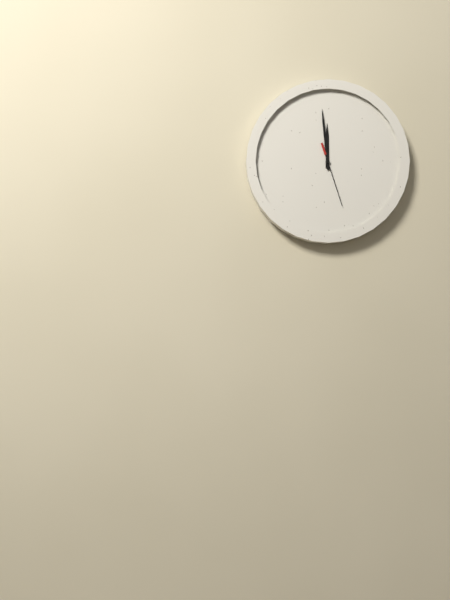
11:59:27
